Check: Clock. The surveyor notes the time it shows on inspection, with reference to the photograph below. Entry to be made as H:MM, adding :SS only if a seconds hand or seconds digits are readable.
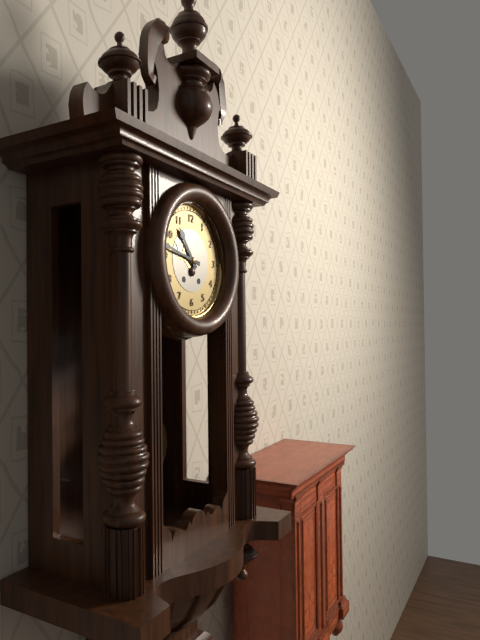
10:47
